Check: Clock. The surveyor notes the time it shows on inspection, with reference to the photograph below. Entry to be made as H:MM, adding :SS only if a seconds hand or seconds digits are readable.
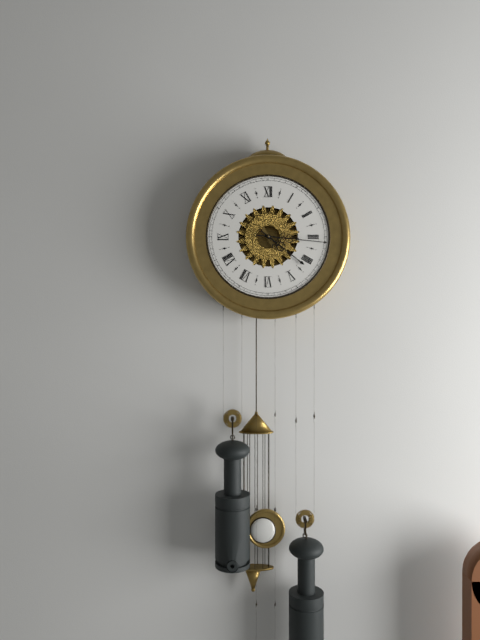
4:16
